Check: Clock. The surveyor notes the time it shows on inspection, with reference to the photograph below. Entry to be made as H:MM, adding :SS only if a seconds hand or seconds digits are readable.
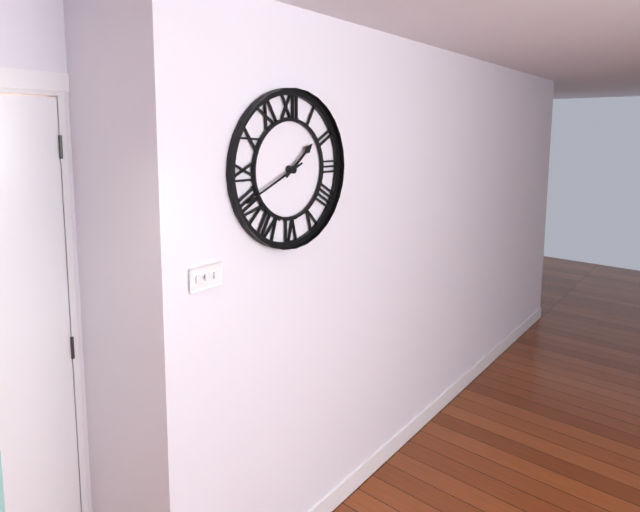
1:41
